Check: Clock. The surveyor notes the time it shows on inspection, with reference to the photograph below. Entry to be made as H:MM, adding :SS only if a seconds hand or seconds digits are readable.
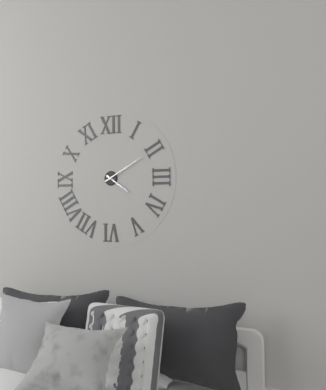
4:10
